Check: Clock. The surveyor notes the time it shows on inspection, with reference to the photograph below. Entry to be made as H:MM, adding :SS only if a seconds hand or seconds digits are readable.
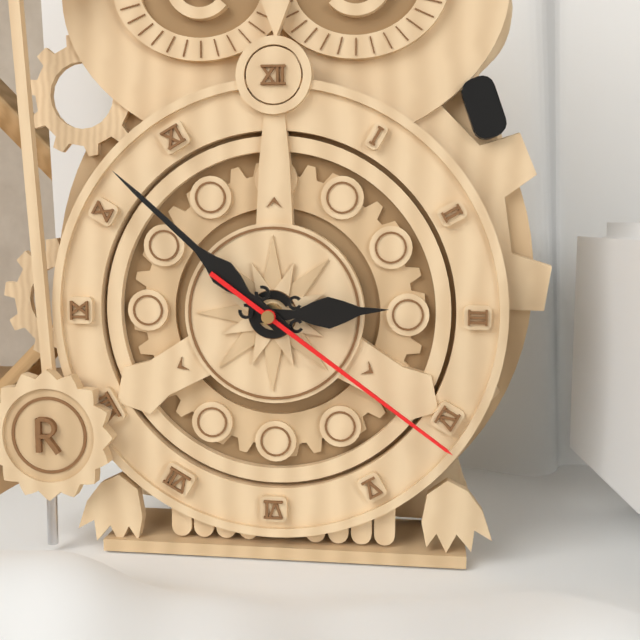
2:52:21
